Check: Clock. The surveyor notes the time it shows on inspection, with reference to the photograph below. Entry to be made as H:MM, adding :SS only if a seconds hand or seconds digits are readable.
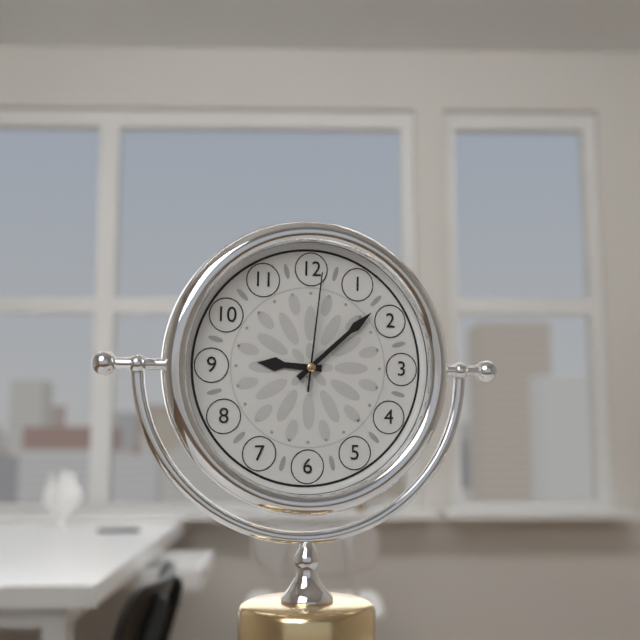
9:08:01
